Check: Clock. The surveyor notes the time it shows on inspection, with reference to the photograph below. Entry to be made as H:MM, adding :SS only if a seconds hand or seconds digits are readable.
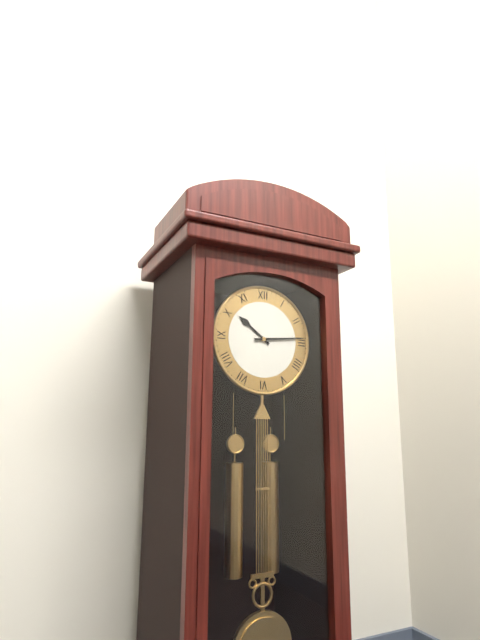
10:14
